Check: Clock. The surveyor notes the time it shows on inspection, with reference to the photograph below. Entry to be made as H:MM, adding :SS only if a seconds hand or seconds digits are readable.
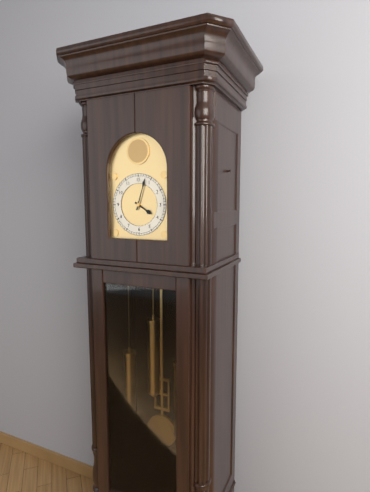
4:03
